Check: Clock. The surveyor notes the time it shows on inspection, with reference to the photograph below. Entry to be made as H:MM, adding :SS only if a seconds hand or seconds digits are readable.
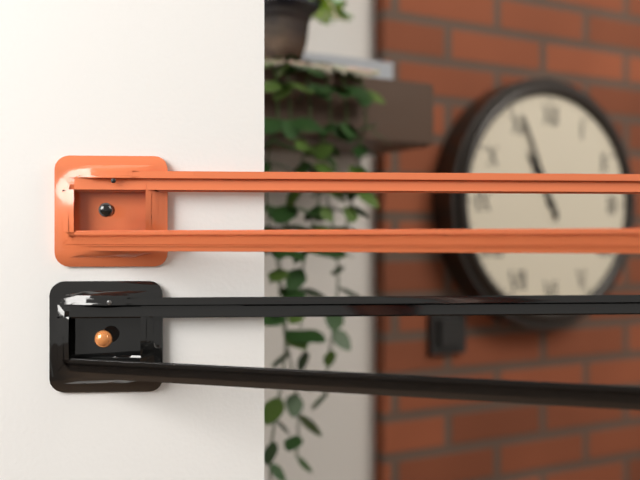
10:56
